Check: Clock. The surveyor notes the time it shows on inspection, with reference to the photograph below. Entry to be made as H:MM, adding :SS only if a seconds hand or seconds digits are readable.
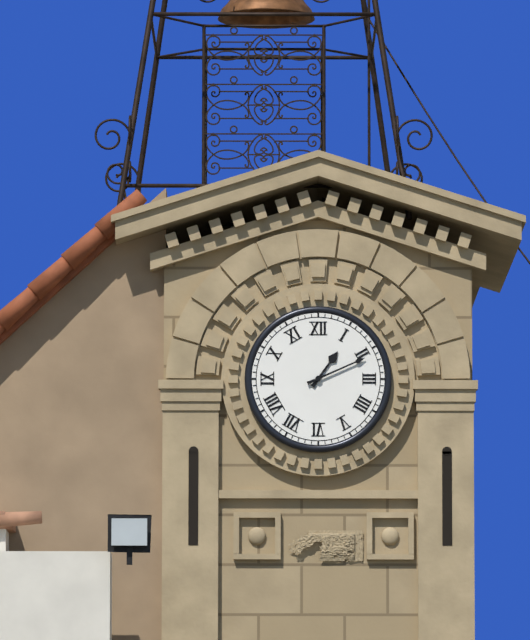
1:11
